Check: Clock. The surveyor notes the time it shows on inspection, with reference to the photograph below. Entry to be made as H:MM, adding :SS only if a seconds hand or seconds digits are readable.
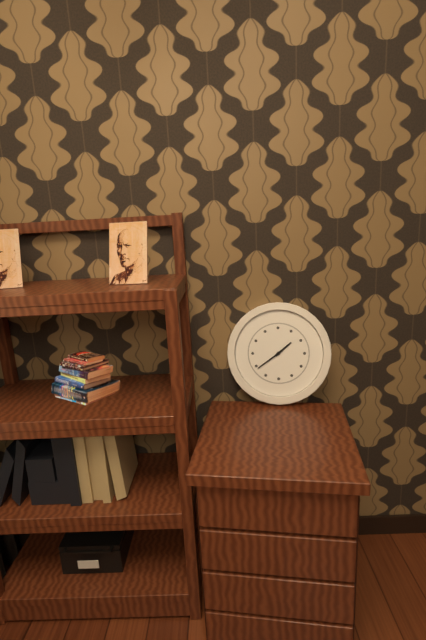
1:39
